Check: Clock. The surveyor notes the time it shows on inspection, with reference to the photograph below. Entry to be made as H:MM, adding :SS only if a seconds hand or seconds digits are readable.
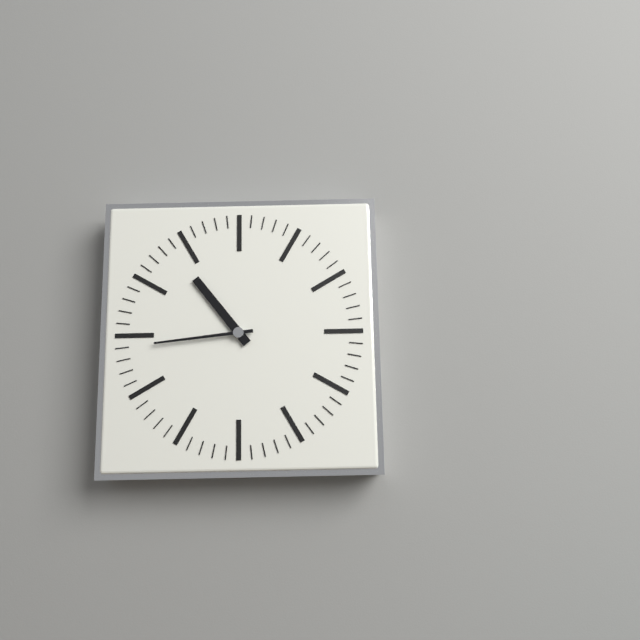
10:44
